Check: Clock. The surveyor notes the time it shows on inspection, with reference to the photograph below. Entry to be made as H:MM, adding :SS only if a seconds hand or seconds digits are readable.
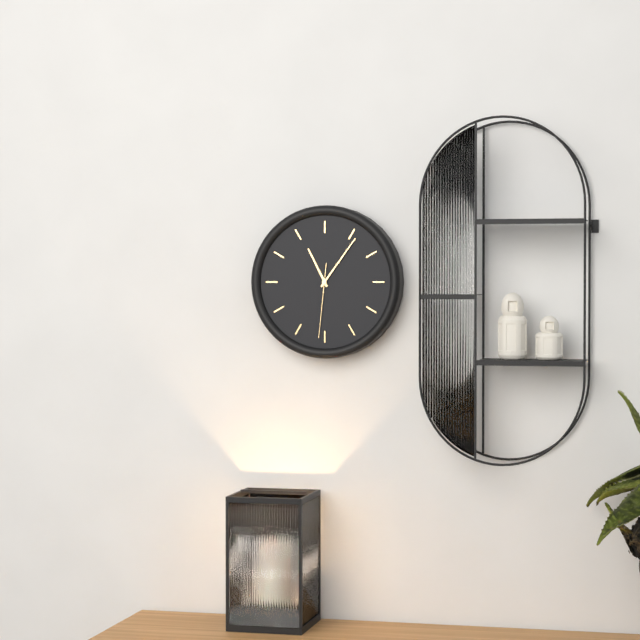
11:06:31
